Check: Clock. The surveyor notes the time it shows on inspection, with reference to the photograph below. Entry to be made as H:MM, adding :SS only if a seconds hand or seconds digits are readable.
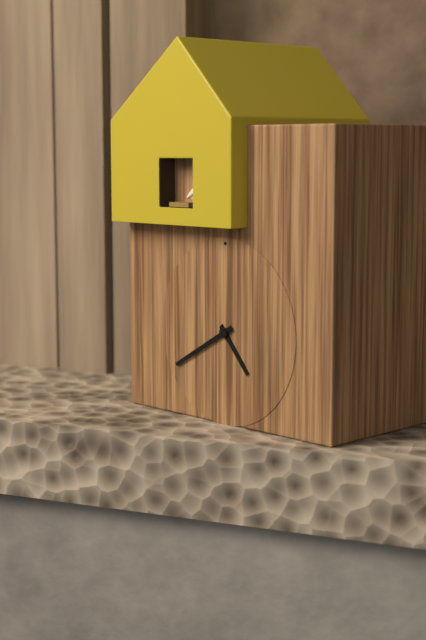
4:40
